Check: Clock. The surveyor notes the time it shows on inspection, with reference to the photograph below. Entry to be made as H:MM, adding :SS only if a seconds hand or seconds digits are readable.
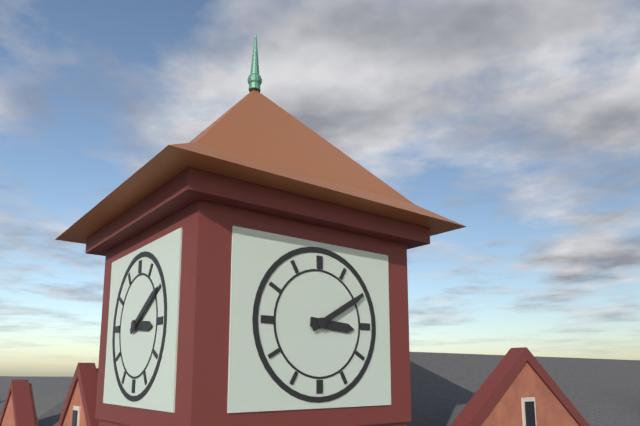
3:10
